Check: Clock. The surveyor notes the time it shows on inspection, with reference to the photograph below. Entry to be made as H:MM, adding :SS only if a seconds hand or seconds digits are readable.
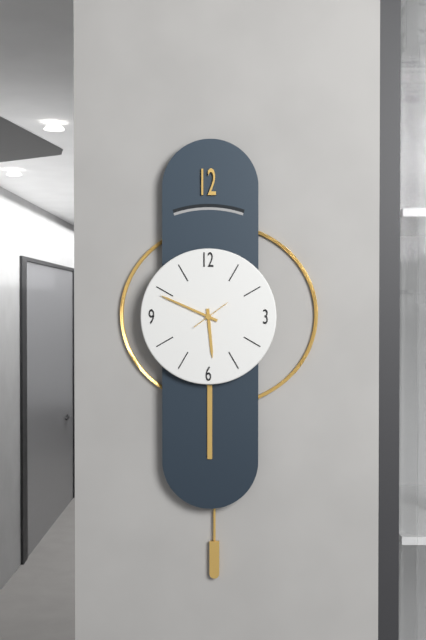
5:49
